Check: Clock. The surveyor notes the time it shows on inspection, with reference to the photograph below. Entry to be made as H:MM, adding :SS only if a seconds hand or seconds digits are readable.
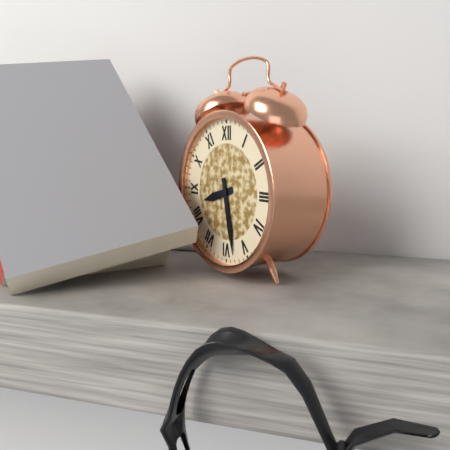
8:28
